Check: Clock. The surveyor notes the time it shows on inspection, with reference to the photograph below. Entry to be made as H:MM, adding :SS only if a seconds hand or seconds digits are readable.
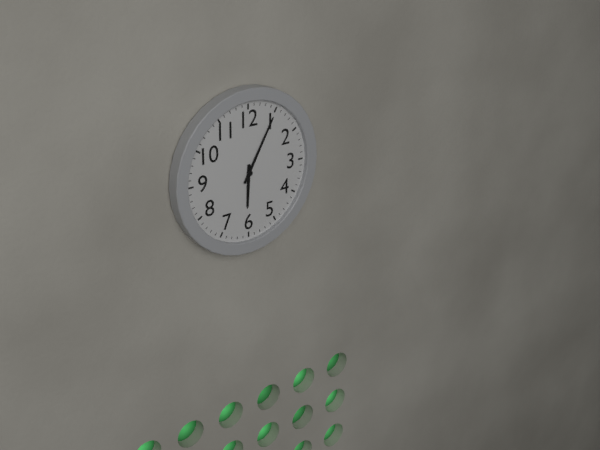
6:05
